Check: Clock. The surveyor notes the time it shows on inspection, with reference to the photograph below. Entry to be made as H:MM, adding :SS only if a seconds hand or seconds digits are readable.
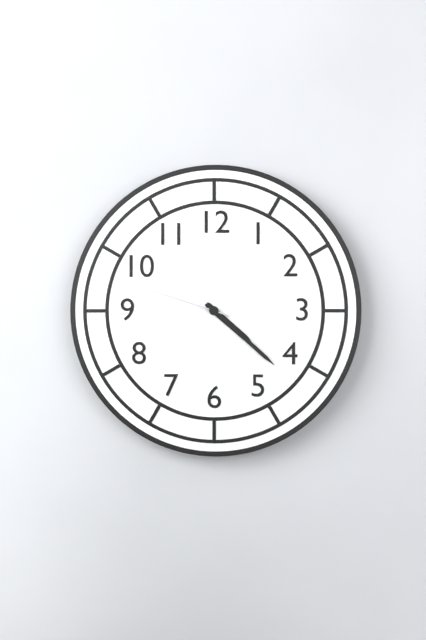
4:22:48
